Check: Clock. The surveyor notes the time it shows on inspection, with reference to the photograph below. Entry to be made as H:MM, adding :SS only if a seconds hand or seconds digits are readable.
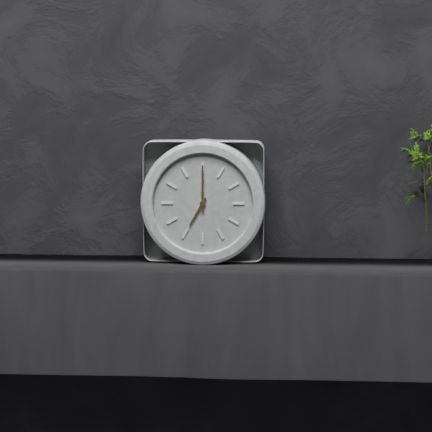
7:00
